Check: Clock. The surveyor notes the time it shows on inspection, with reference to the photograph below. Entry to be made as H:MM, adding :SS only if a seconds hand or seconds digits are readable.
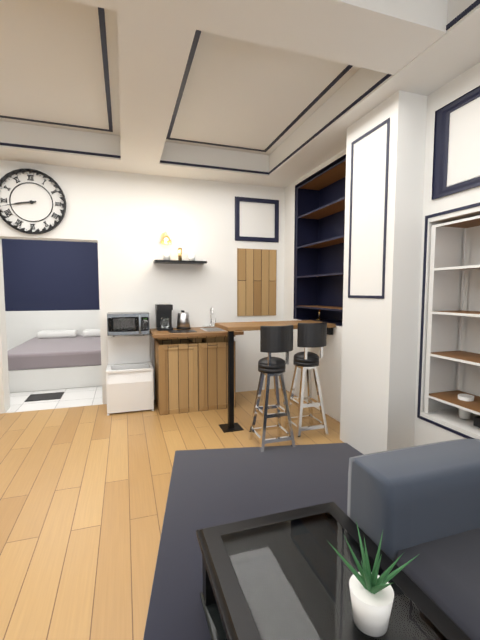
8:43
